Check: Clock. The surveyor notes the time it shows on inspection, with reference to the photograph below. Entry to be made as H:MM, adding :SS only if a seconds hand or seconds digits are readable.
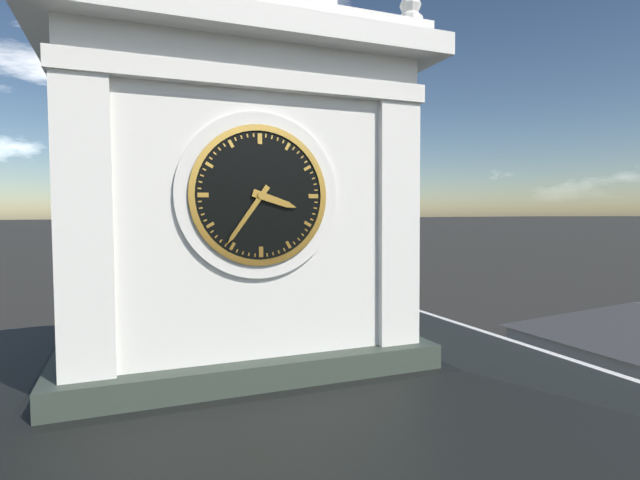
3:36
